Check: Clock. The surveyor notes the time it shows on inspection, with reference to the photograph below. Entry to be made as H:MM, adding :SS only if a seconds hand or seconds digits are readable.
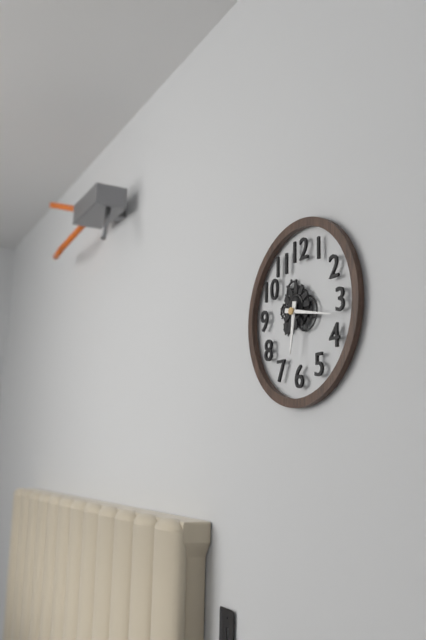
6:17
